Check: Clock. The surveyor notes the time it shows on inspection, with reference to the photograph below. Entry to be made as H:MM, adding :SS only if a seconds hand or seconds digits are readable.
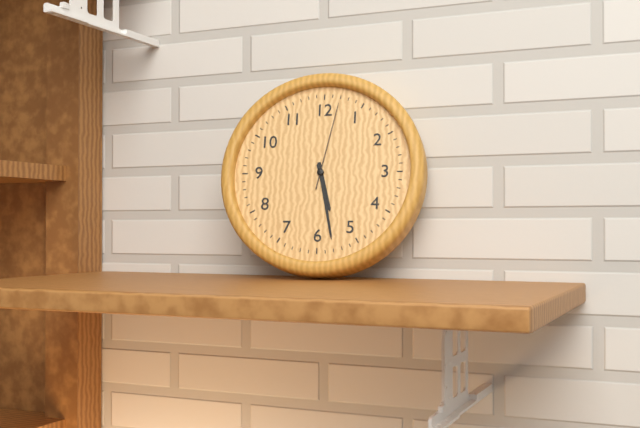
5:28:02
